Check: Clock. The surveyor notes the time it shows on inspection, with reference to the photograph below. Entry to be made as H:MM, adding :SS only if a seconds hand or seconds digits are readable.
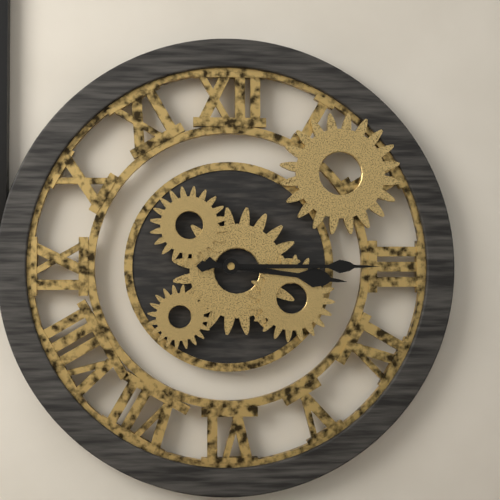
3:15
